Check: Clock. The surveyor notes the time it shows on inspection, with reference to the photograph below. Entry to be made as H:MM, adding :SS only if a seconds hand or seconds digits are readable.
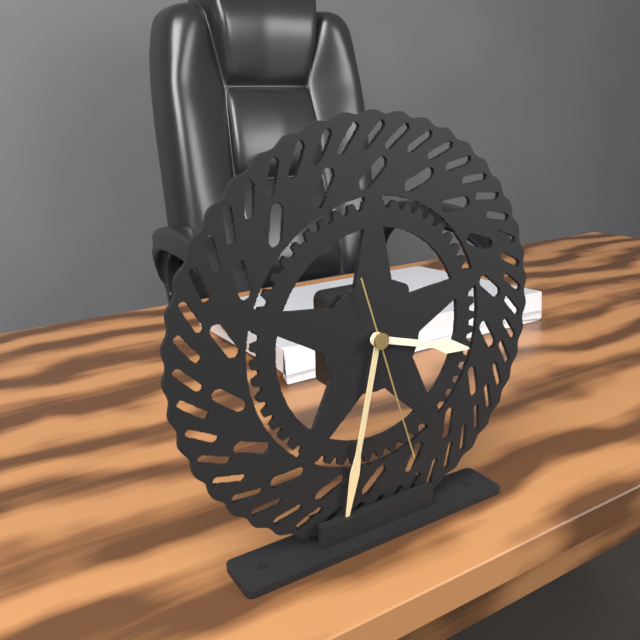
3:32:27
